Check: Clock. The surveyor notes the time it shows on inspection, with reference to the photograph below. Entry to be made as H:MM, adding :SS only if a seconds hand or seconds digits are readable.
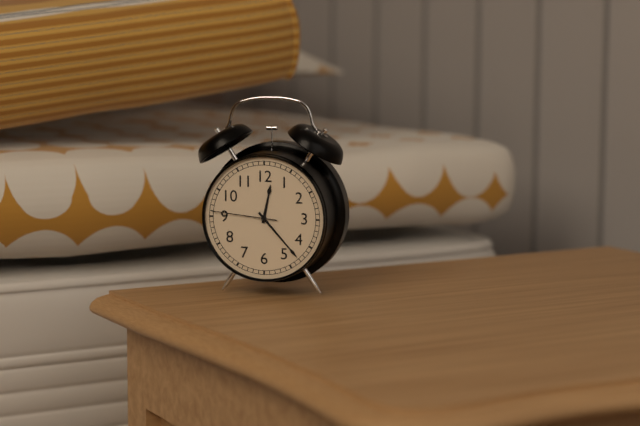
12:23:46
